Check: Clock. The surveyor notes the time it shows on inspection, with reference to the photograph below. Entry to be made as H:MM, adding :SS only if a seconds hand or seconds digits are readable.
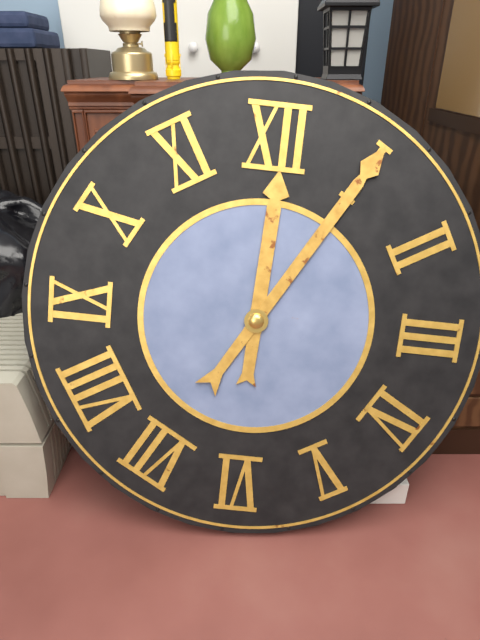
12:05
